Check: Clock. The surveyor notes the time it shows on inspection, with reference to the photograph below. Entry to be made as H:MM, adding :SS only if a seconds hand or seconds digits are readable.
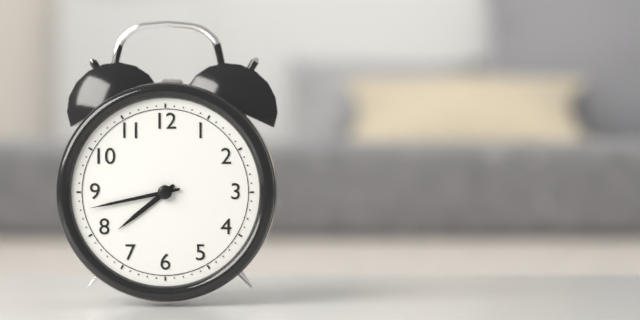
7:43
